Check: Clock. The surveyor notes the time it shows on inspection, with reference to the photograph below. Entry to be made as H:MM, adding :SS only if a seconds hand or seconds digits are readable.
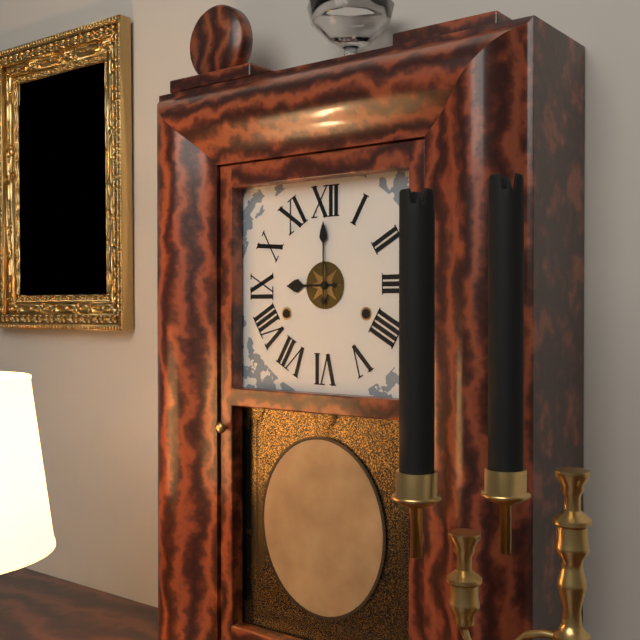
9:00
